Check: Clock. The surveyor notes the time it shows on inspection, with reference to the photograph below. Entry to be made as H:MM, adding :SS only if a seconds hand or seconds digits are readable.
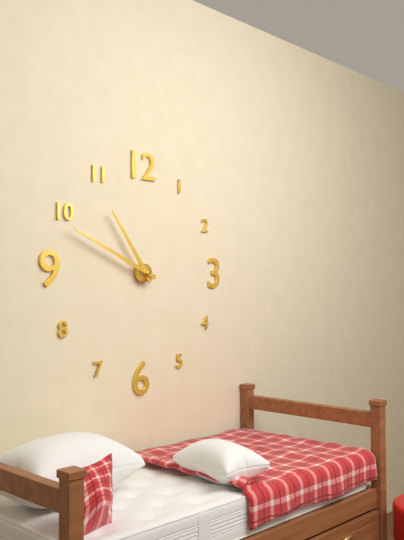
10:49
